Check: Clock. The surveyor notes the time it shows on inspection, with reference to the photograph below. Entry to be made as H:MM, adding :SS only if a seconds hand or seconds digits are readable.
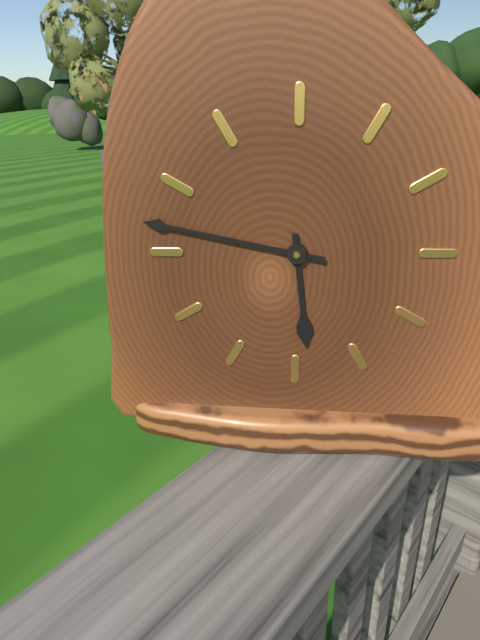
5:47
